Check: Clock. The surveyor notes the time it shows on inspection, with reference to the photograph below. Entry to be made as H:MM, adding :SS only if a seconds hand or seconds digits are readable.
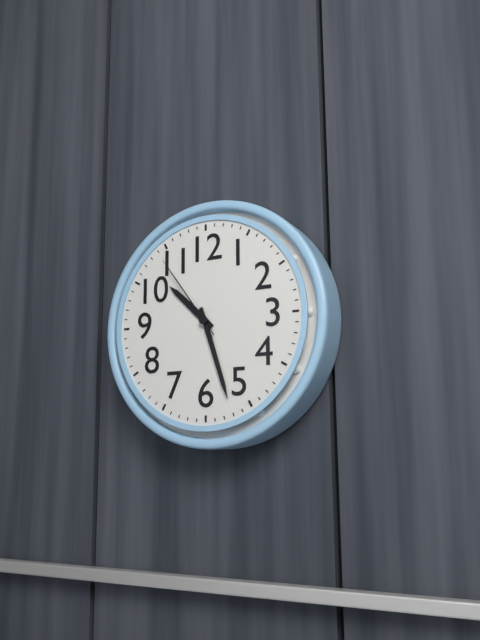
10:27:54
